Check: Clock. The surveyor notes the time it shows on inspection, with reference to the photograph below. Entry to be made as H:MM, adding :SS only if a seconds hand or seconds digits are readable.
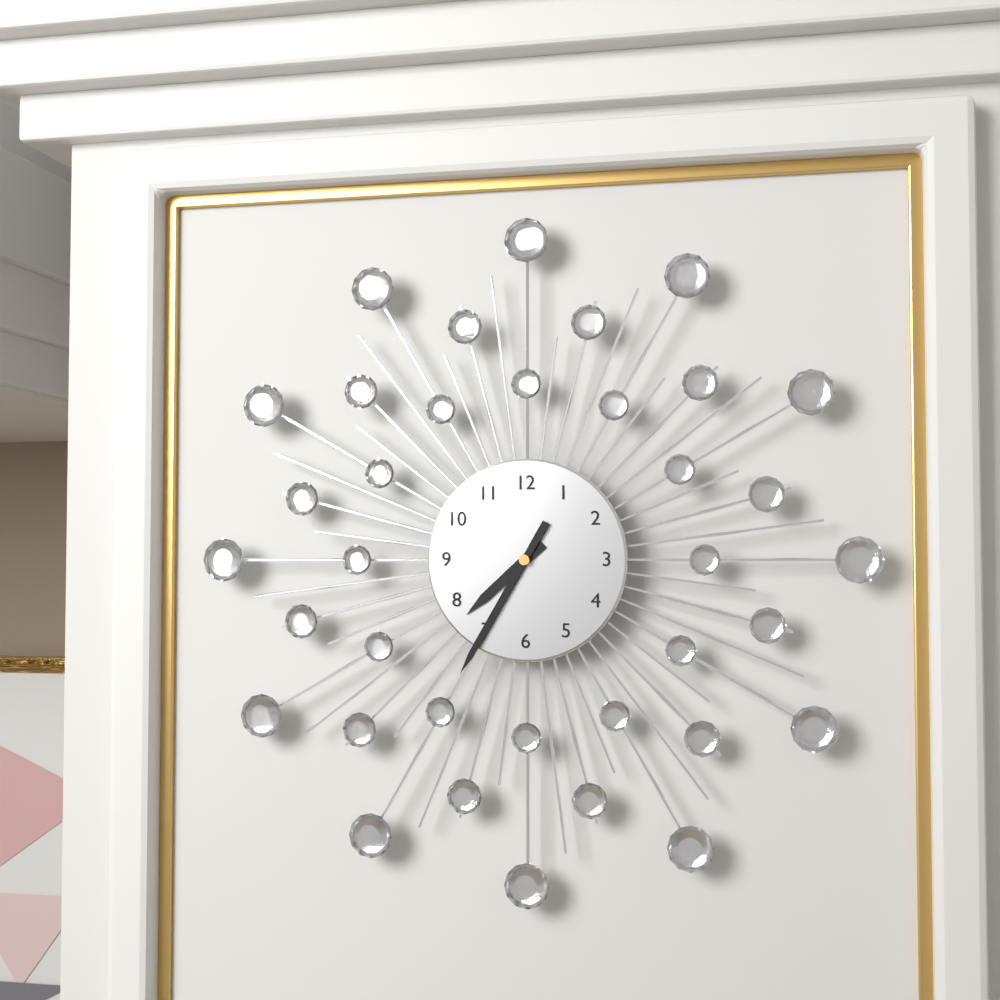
7:35
